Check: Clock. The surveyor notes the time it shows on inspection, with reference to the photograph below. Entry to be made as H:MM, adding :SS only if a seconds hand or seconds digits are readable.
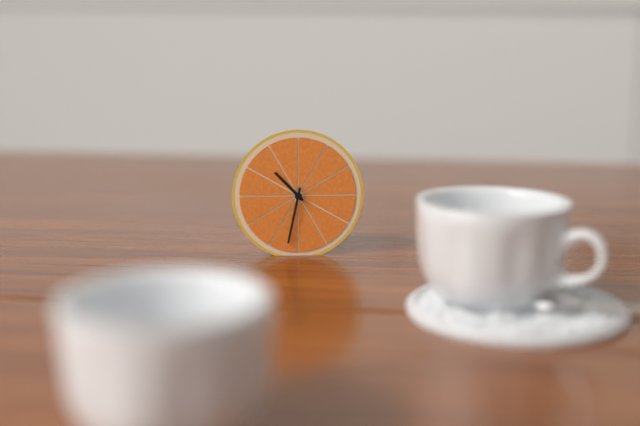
10:32
